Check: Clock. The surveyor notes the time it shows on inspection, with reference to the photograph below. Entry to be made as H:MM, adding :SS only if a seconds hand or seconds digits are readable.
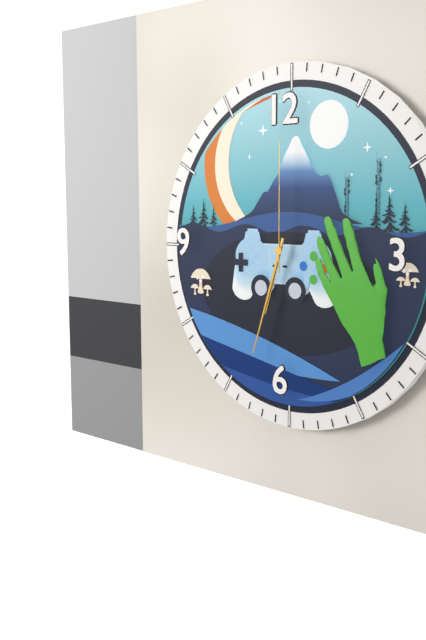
6:33:00
